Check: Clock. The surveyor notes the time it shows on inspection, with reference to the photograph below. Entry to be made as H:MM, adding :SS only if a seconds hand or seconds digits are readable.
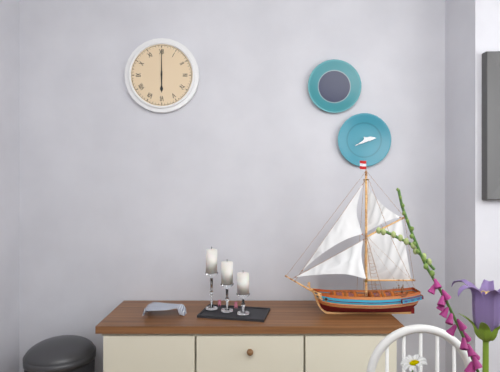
6:00
